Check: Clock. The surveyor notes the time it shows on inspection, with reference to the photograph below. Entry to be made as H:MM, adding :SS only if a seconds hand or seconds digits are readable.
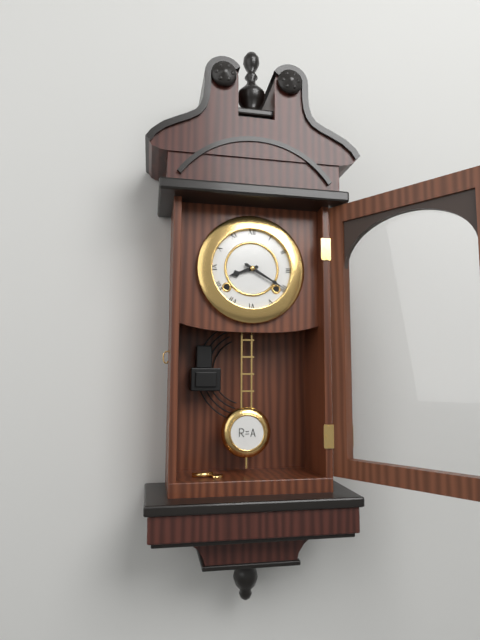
8:20
